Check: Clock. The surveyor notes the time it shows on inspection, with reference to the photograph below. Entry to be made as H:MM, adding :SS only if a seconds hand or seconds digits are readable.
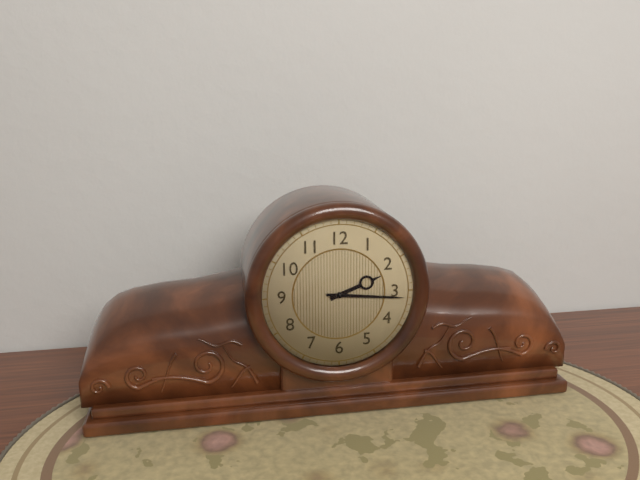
2:16
